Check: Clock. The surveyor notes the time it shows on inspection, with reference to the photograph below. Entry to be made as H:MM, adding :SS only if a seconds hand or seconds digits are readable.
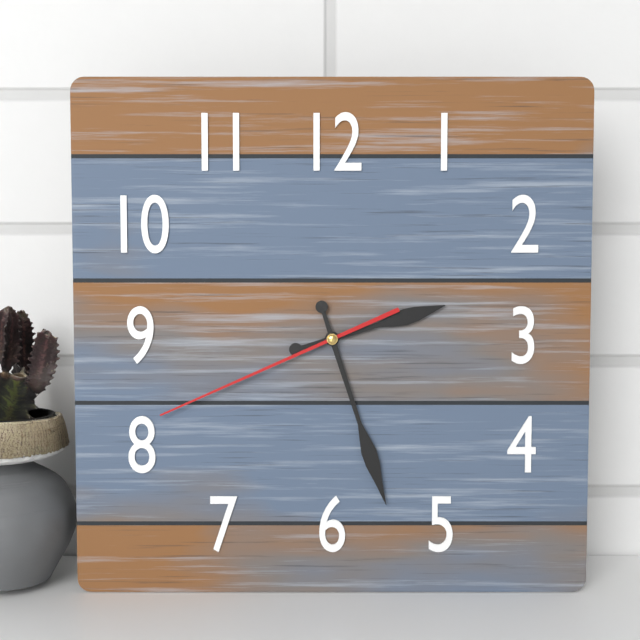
2:27:41
